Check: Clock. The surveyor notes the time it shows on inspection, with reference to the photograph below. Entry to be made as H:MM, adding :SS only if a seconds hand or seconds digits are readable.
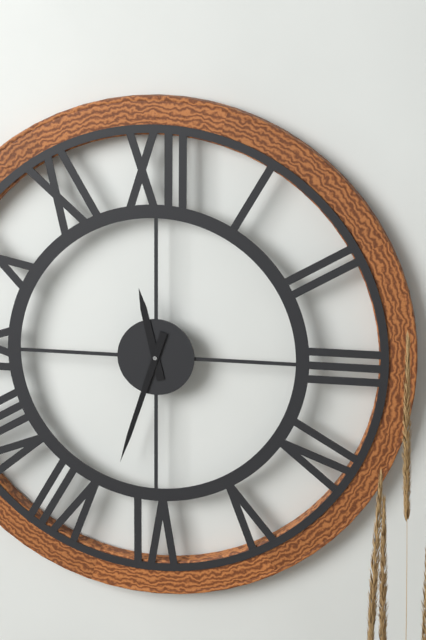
11:33
